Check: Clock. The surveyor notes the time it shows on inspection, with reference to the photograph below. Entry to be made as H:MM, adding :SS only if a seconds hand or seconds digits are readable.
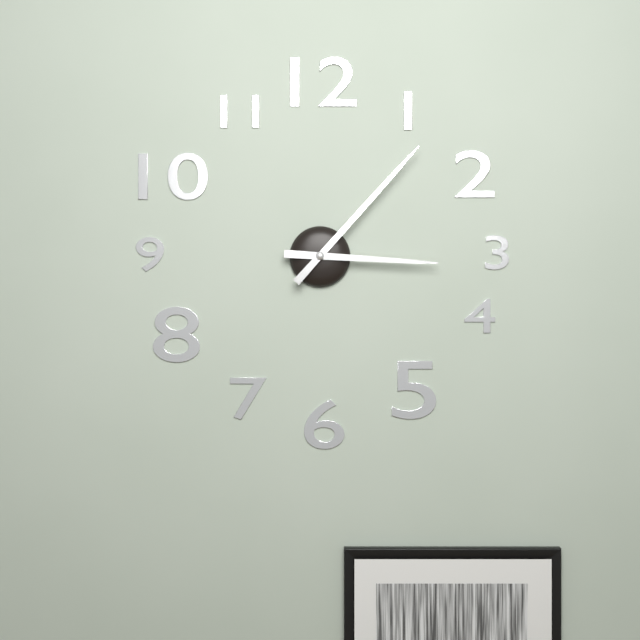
3:07
